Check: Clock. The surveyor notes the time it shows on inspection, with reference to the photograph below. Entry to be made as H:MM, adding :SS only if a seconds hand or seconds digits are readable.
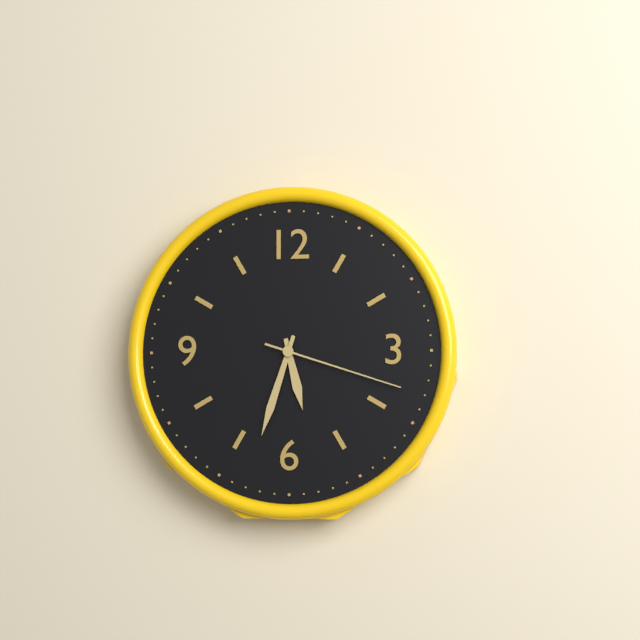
5:33:18
